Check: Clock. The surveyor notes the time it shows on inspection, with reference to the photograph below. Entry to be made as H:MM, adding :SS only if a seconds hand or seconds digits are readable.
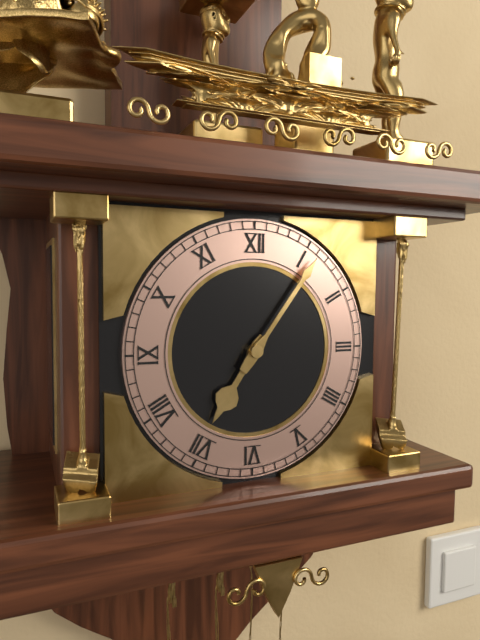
7:06
